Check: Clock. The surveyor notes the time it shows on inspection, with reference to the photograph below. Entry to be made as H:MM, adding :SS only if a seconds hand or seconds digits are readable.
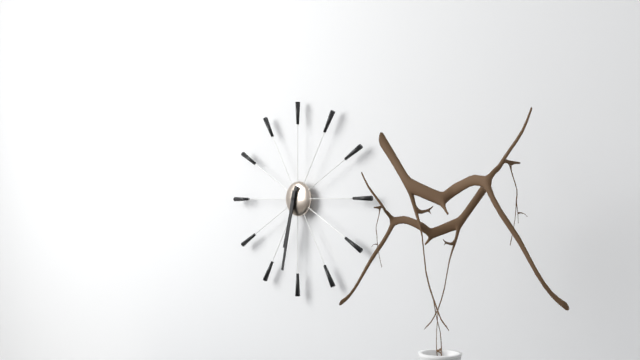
6:32
